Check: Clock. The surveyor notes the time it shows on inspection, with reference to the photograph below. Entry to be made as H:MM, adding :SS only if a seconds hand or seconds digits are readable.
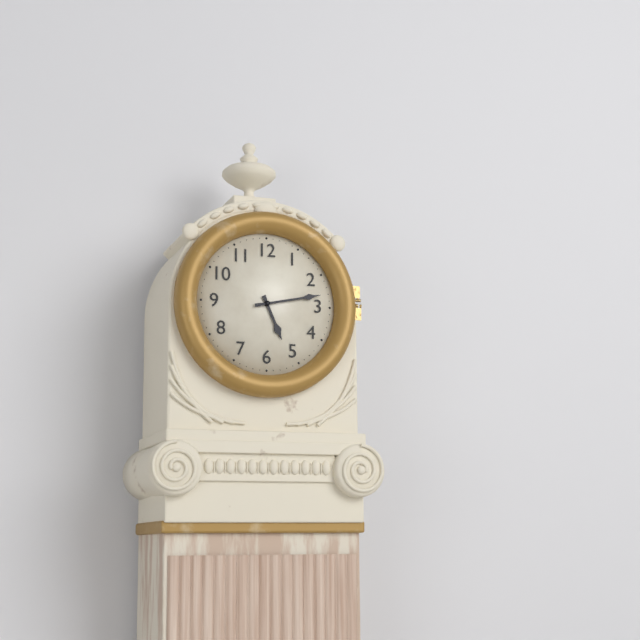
5:13
